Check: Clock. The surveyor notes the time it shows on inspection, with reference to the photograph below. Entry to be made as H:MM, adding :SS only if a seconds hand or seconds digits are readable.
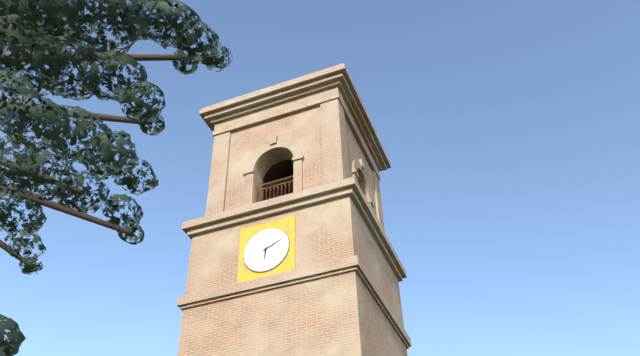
6:11
